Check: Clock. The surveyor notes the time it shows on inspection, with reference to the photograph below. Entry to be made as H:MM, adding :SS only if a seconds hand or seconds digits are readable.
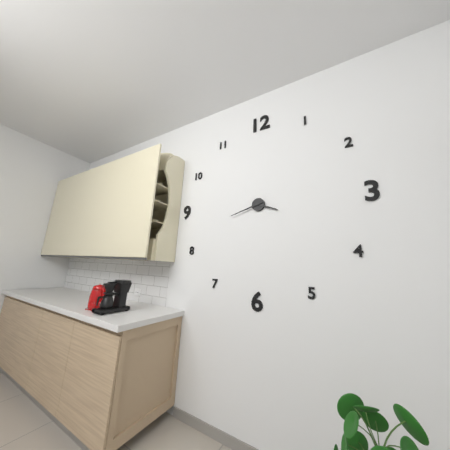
3:42
